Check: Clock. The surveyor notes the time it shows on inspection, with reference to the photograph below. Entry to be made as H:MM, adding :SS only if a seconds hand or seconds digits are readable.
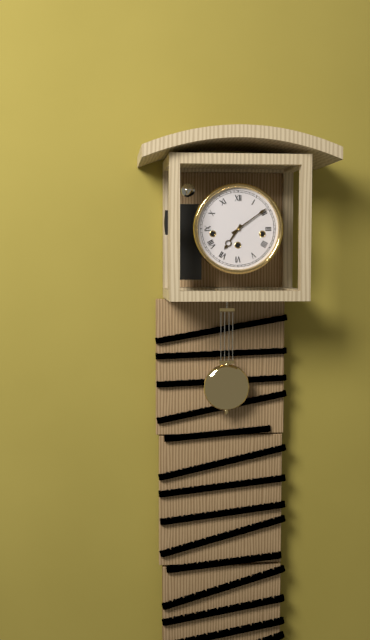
7:09
